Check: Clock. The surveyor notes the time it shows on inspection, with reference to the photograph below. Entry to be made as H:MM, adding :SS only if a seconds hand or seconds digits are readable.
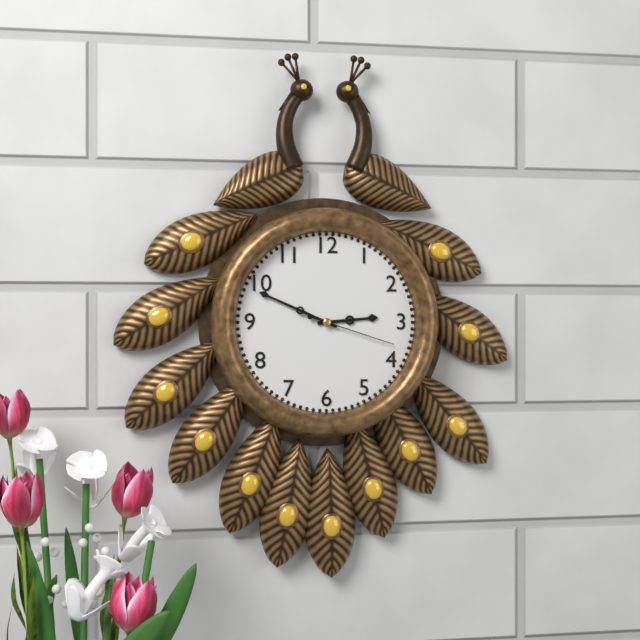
2:49:18
